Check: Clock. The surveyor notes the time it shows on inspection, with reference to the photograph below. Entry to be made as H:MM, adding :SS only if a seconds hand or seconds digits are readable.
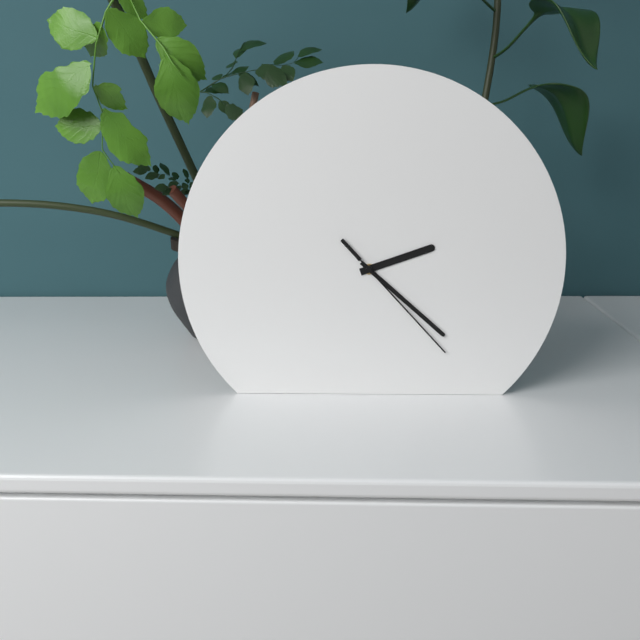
2:22:23
